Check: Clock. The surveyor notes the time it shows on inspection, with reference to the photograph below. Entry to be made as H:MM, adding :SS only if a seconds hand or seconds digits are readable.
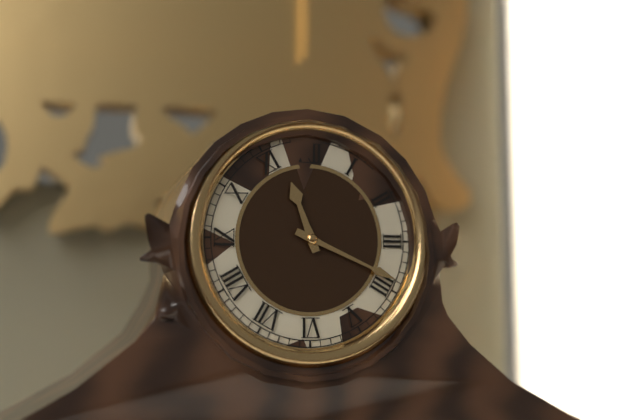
11:19
